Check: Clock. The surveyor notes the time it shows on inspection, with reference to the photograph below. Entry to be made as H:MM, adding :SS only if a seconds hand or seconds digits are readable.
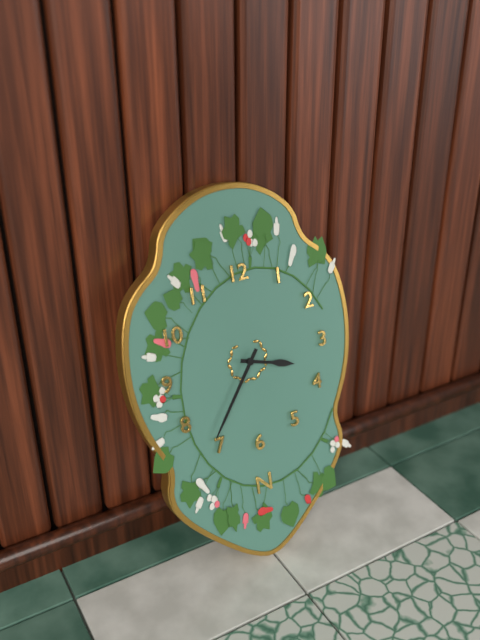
3:36
